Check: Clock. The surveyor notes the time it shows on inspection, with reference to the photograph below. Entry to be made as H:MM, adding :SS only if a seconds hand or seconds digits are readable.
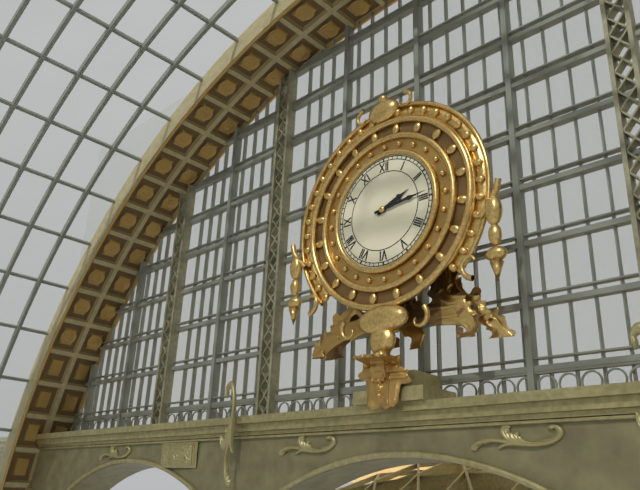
2:14
